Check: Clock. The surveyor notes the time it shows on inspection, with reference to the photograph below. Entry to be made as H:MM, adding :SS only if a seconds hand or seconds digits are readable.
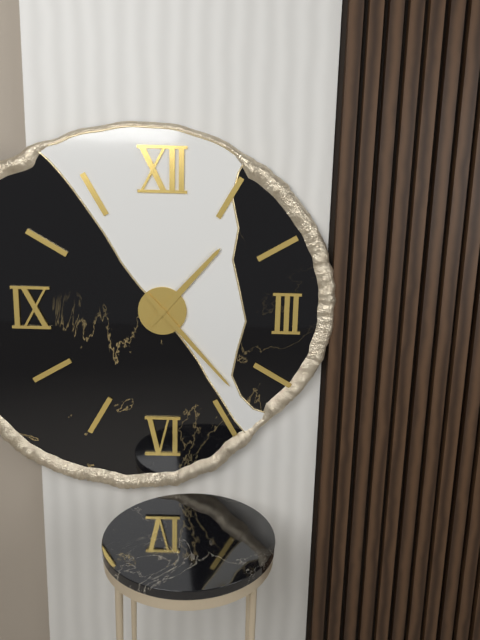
1:23
